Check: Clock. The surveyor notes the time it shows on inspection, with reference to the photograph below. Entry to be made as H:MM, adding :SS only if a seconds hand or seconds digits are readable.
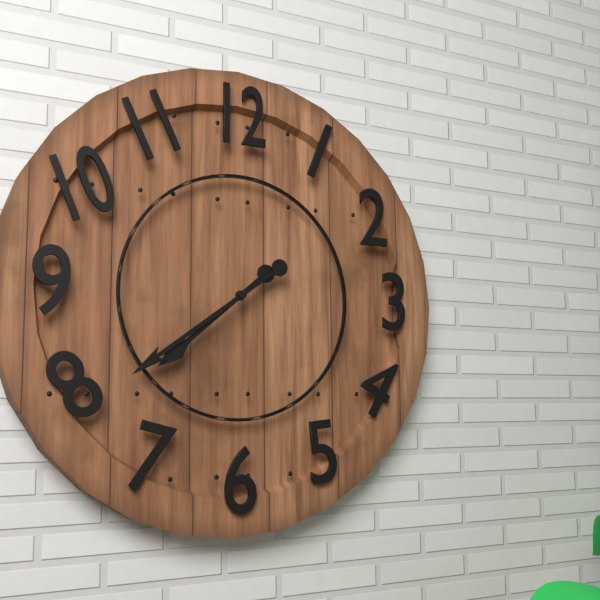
7:39
